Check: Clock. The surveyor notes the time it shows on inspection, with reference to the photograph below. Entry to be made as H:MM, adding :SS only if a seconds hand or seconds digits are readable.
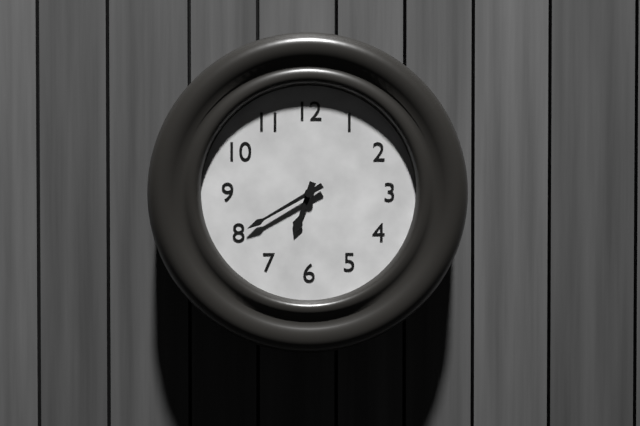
6:40
